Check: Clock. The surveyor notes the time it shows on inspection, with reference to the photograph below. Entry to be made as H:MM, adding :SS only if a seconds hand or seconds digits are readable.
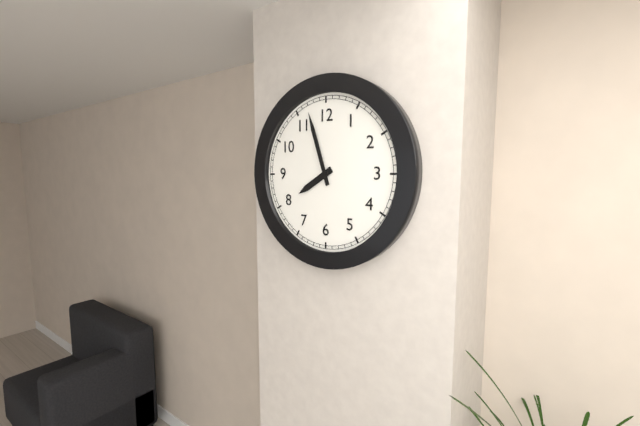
7:57
